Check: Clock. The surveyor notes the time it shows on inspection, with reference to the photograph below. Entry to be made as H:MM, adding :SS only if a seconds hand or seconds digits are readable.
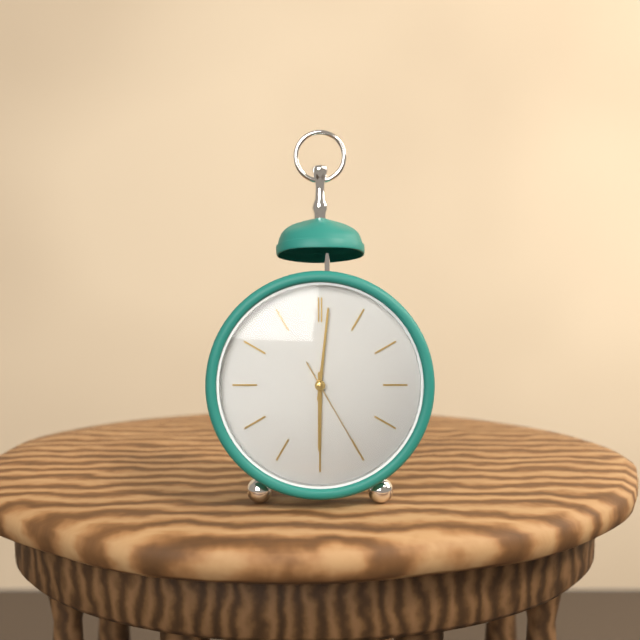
6:01:25
